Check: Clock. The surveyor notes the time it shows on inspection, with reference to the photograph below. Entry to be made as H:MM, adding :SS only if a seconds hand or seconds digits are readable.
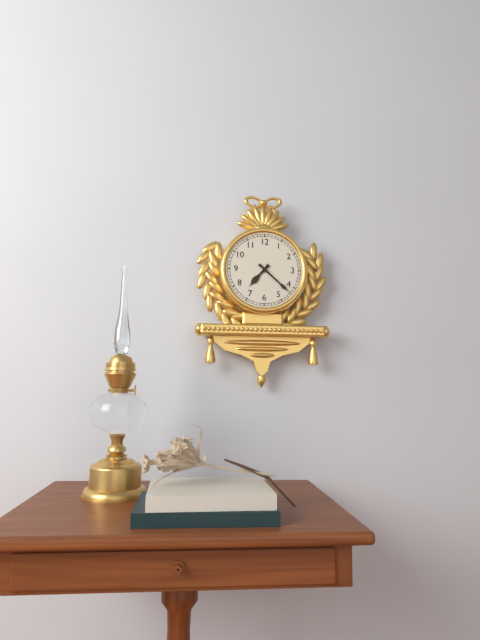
7:22
